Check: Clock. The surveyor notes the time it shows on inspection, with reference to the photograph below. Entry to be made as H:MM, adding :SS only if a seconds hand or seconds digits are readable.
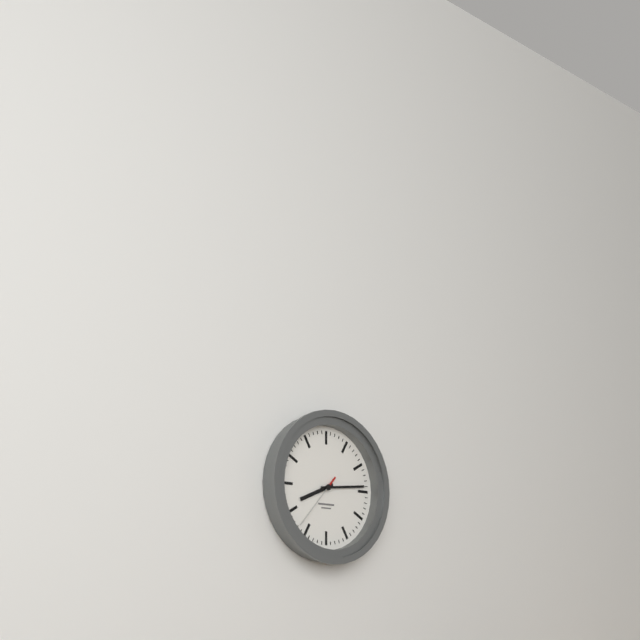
8:14:37
